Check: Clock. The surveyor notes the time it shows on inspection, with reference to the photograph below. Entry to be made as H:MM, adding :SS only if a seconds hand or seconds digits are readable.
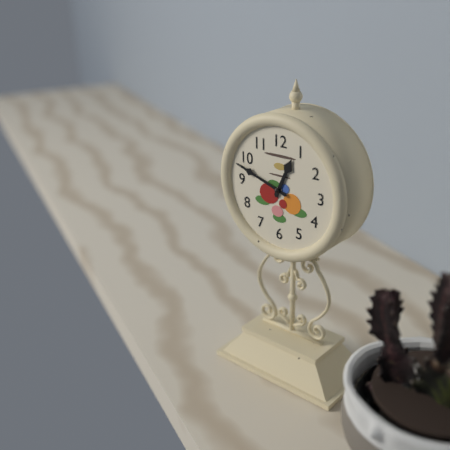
12:48
